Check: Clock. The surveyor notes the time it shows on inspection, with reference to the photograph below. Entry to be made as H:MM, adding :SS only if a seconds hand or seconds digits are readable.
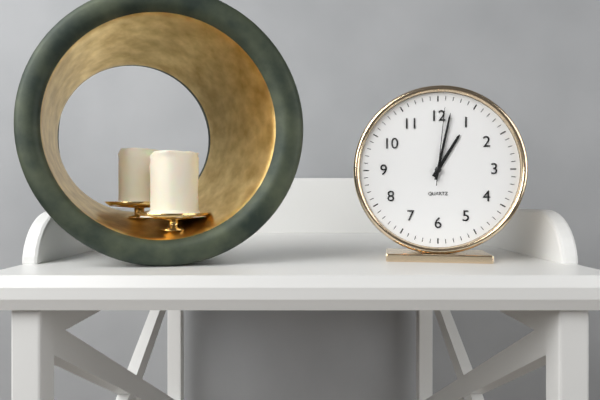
1:02:01
